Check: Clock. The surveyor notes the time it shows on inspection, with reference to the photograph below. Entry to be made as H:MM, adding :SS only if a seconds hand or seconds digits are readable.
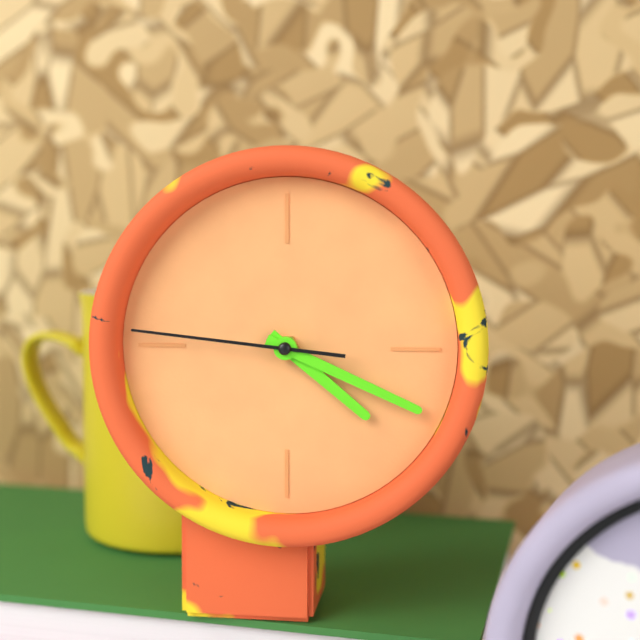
4:19:46
